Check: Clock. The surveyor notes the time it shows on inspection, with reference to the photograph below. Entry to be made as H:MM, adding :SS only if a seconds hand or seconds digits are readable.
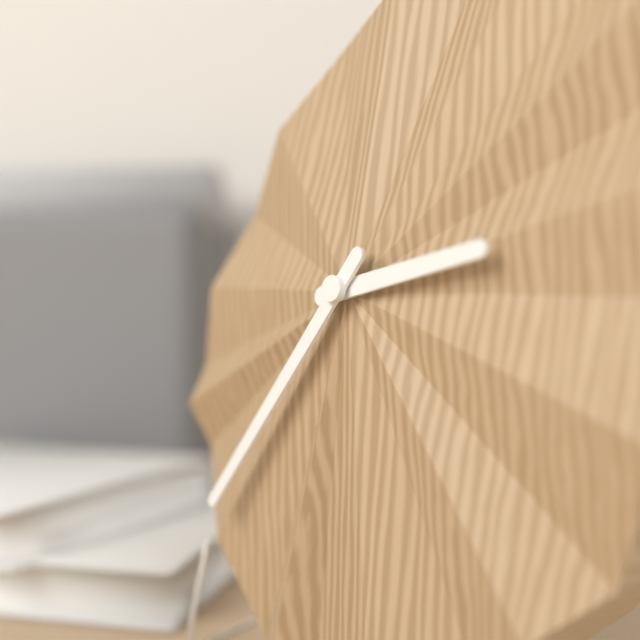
2:36
